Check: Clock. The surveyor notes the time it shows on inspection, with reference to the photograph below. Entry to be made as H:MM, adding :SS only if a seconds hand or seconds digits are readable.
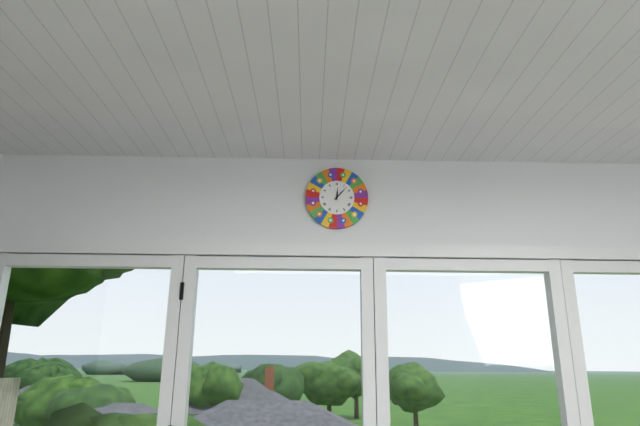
12:07
